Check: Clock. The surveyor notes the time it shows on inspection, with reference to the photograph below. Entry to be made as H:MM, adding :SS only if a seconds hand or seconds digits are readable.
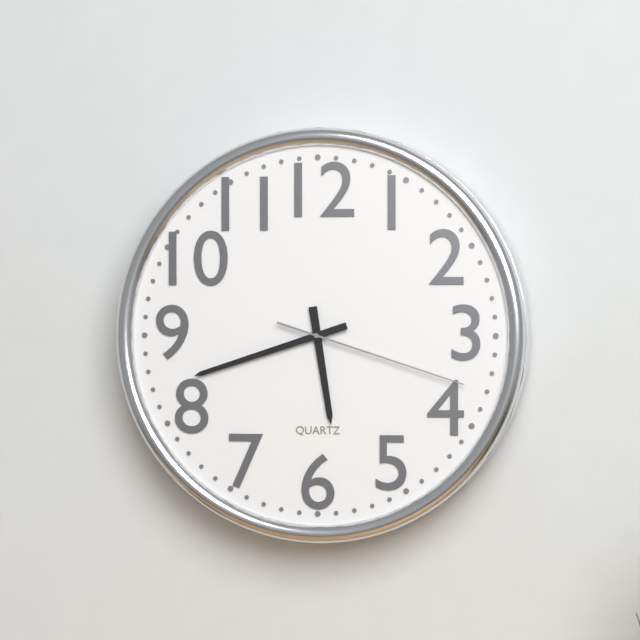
5:42:18
